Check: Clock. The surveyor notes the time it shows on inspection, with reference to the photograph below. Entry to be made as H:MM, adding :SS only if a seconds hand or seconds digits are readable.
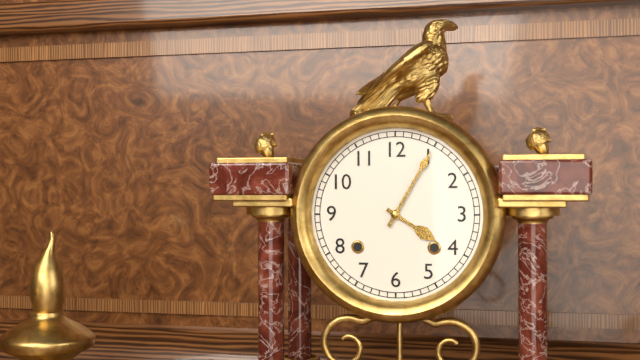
4:05
